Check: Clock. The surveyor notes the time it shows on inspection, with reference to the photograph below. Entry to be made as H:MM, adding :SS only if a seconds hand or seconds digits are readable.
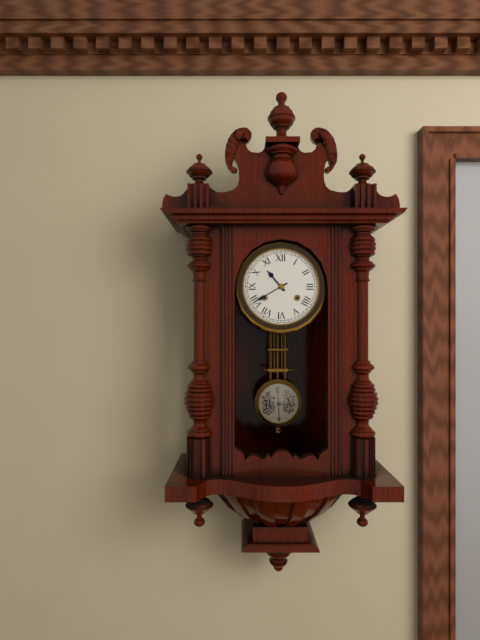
10:40
